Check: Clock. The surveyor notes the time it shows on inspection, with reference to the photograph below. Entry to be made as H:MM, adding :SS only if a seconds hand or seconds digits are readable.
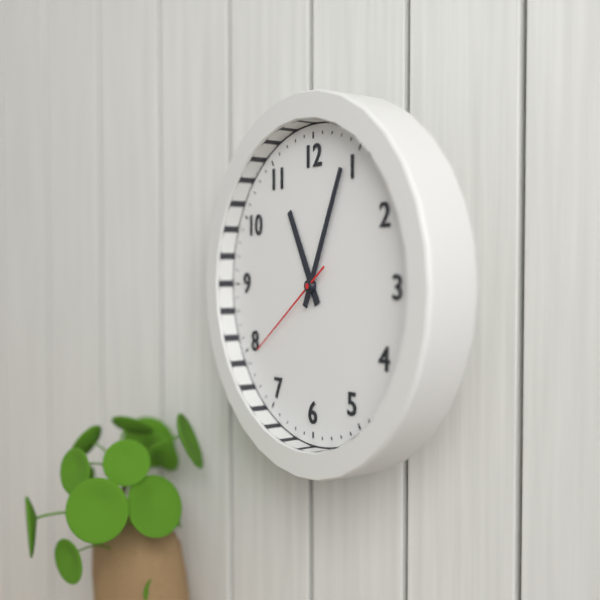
11:04:39
